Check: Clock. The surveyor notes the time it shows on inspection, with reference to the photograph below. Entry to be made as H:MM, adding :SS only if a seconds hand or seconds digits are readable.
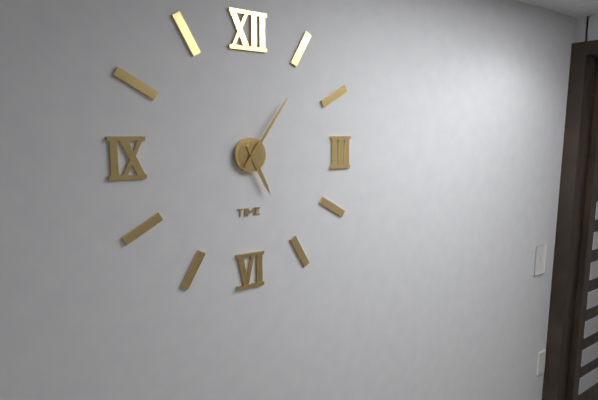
5:06
